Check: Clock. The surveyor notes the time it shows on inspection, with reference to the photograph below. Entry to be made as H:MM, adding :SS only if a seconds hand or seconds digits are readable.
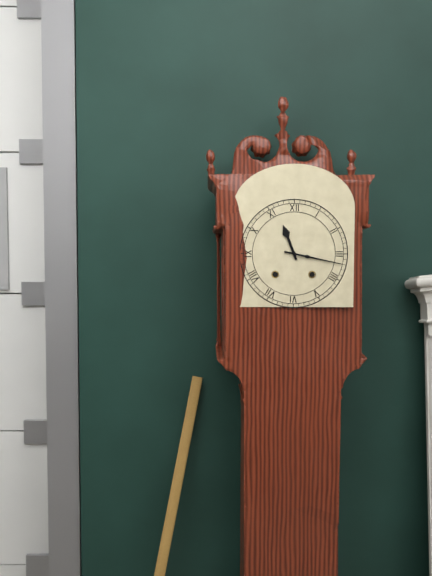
11:17
